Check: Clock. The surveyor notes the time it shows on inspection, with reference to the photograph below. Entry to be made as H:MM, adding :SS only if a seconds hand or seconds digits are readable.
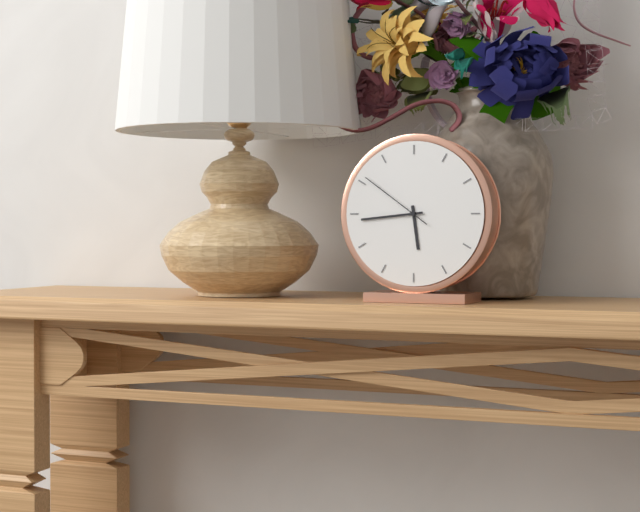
5:44:51
